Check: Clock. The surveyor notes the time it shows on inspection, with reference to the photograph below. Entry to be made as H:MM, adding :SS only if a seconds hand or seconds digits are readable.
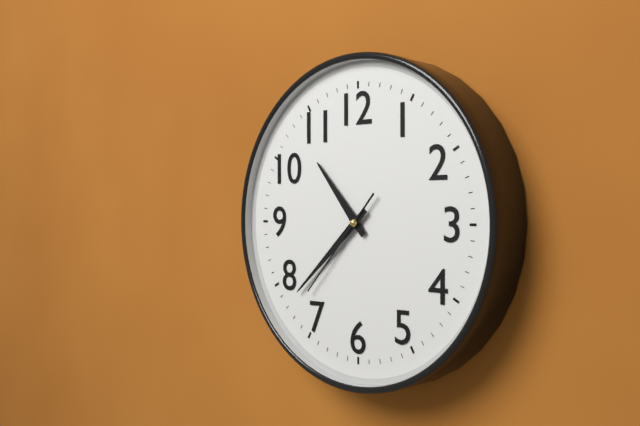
10:38:37
